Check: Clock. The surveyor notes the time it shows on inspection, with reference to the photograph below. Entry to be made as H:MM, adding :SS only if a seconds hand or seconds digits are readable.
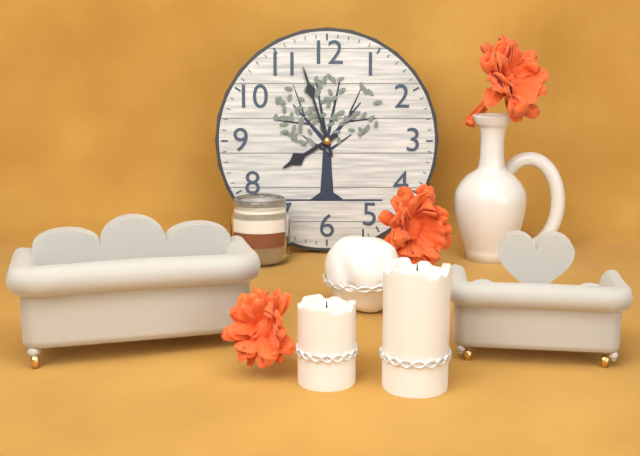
7:57
